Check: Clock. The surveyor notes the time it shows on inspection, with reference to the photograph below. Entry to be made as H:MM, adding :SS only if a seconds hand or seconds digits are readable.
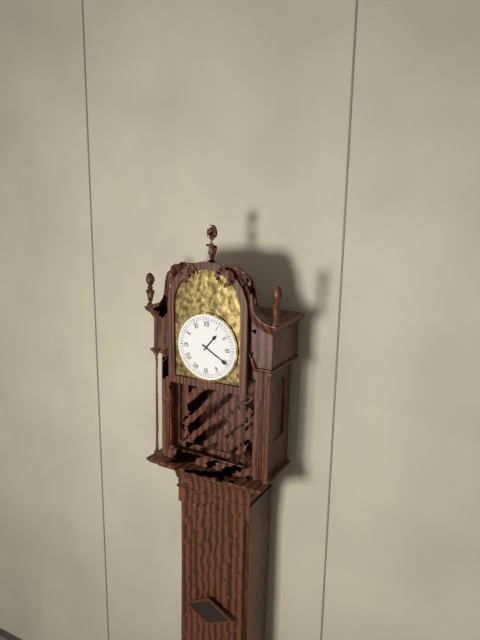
1:20
